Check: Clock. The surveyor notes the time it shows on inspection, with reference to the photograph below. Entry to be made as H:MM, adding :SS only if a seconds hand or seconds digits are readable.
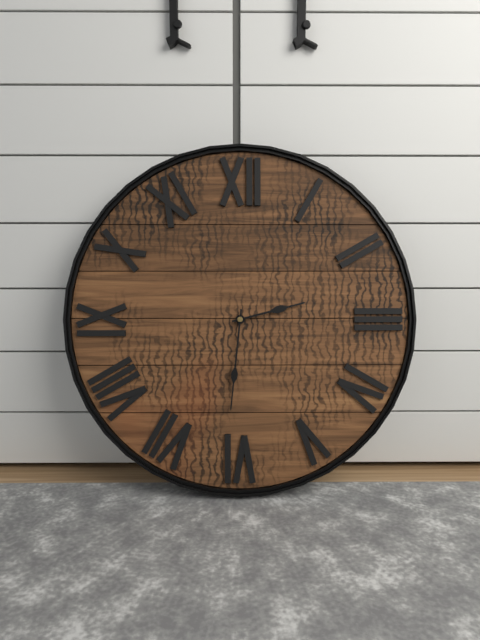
2:31
